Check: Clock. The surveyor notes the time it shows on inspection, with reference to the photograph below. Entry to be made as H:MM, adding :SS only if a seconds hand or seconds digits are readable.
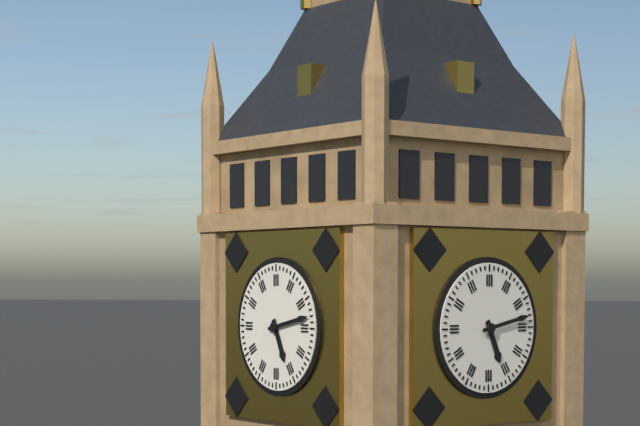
5:13
